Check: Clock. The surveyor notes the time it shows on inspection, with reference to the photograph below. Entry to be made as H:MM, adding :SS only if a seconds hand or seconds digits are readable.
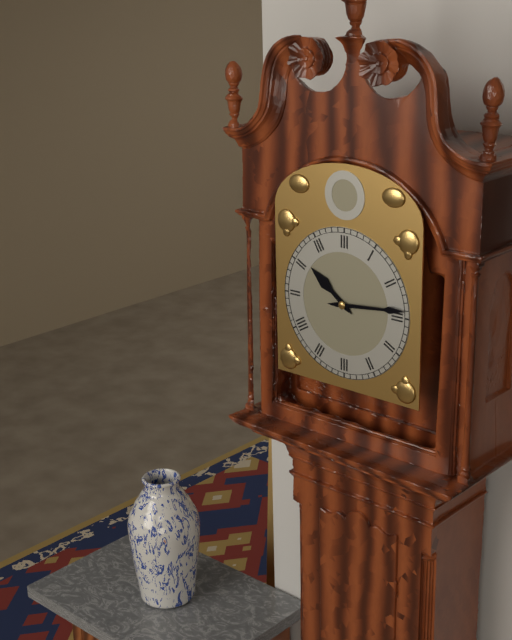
10:14
